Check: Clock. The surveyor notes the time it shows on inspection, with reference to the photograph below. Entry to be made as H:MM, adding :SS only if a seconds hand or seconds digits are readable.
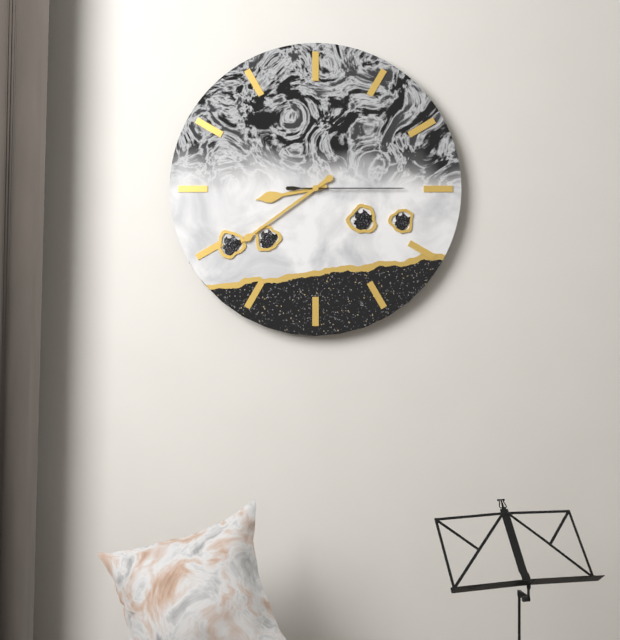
8:39:15
